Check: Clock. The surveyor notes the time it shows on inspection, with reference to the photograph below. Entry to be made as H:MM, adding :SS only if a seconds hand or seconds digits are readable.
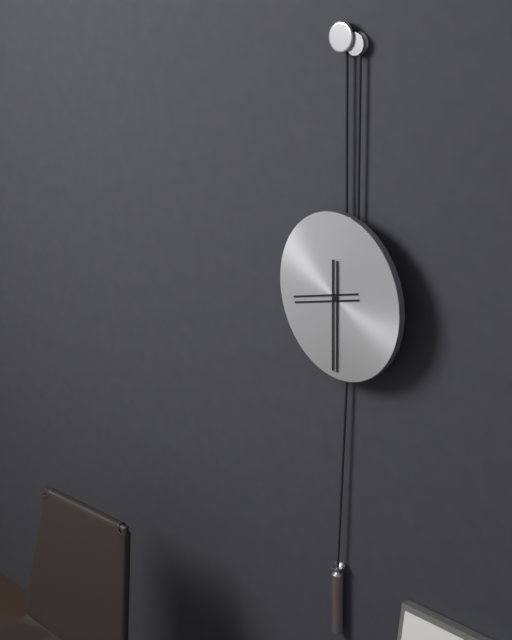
8:30
